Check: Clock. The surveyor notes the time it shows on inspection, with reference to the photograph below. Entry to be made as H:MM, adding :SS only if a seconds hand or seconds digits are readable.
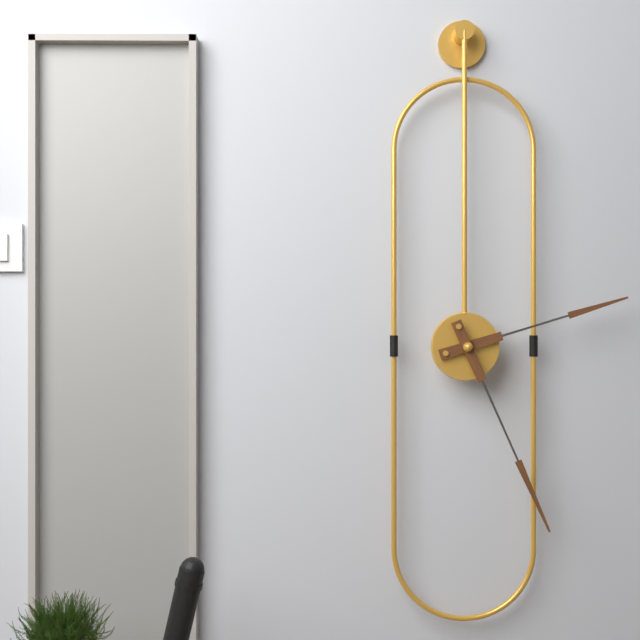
2:26
